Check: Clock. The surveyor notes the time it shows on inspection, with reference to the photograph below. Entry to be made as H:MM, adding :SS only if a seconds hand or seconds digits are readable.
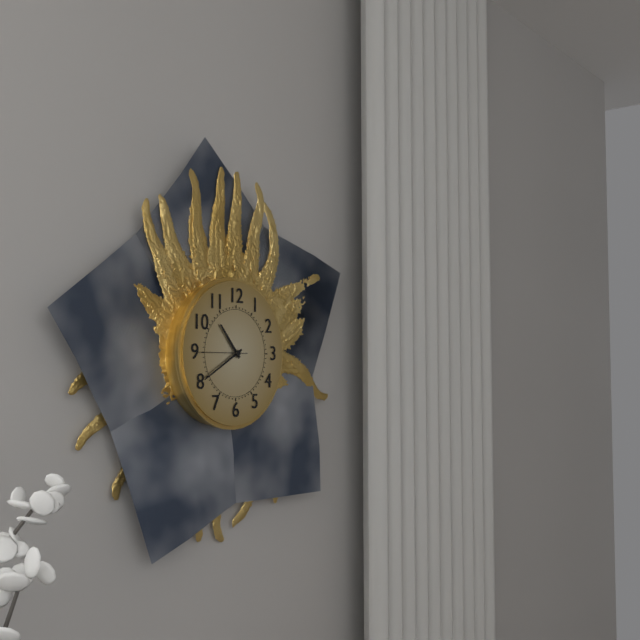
10:40:45
